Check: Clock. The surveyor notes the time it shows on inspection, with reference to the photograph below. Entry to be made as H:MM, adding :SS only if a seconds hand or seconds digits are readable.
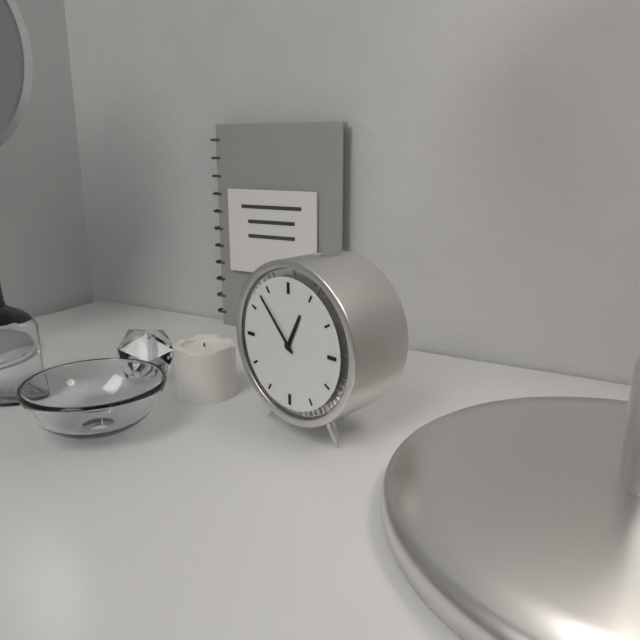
12:53
